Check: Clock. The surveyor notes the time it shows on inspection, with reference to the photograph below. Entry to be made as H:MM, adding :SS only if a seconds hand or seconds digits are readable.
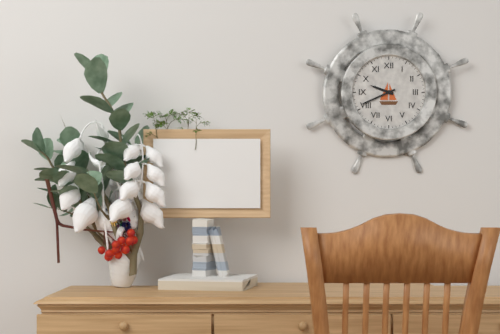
9:41
